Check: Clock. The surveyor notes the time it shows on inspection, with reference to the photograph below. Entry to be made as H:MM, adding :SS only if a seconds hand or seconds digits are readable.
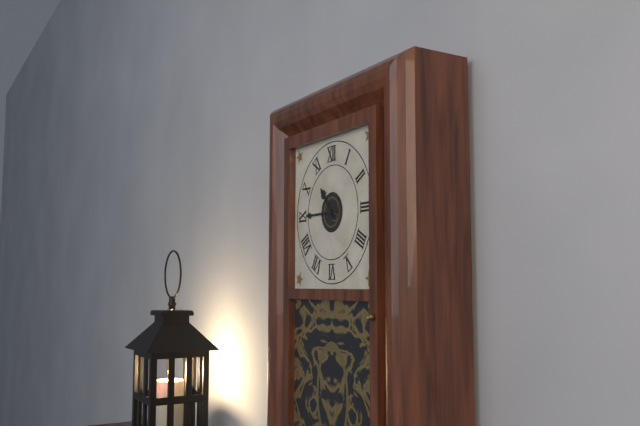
10:45
